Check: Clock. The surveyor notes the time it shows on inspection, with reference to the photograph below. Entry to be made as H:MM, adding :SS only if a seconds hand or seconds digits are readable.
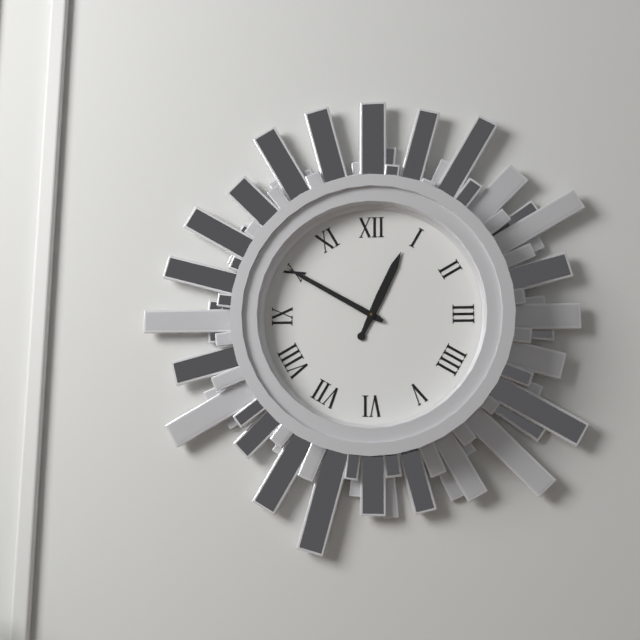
12:50
